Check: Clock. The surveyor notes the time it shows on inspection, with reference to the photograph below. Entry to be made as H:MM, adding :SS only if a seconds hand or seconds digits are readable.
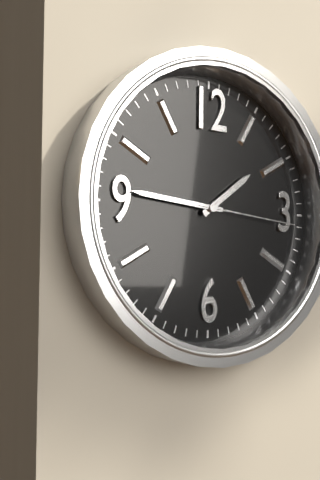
1:46:16
